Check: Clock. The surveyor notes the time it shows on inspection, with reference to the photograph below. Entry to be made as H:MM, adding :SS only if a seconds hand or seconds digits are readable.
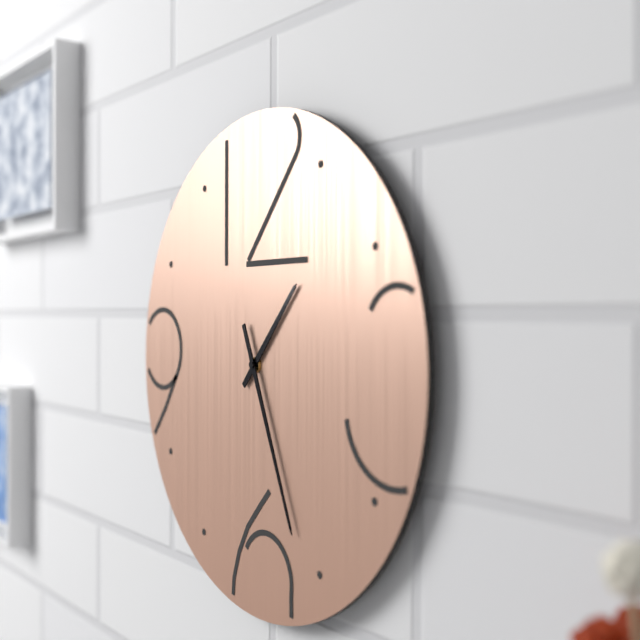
1:26
